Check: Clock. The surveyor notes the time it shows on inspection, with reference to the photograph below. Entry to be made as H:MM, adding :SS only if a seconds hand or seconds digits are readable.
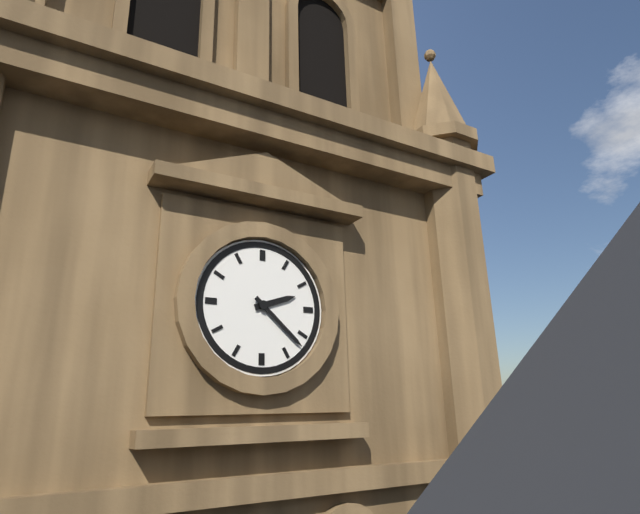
2:22
